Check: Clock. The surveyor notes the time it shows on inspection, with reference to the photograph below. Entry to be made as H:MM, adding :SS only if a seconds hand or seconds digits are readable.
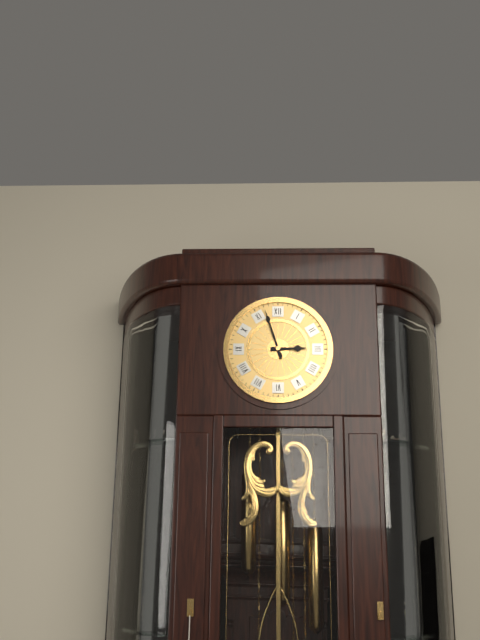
2:57
